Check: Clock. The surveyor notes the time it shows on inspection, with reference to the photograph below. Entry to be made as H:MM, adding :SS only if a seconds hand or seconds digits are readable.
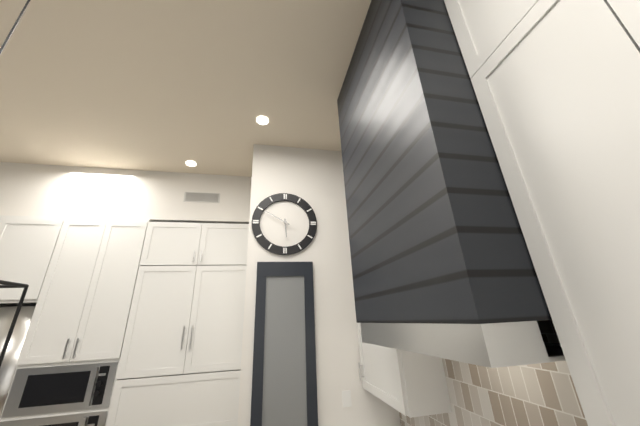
5:50
